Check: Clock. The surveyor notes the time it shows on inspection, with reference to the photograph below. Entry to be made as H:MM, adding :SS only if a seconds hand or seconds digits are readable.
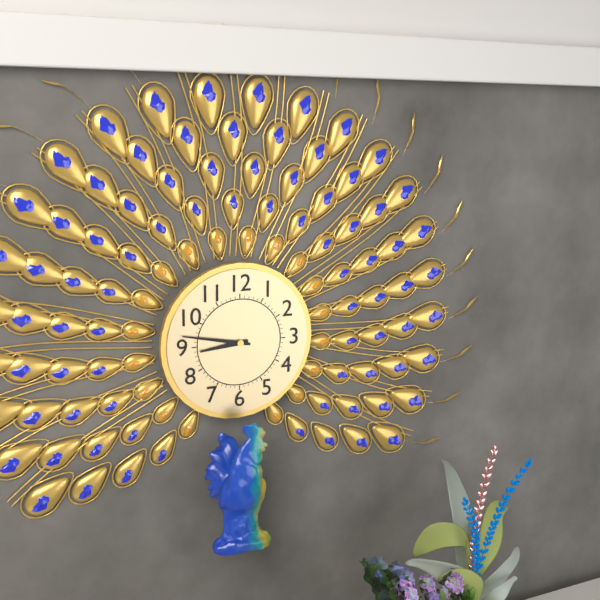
8:47
